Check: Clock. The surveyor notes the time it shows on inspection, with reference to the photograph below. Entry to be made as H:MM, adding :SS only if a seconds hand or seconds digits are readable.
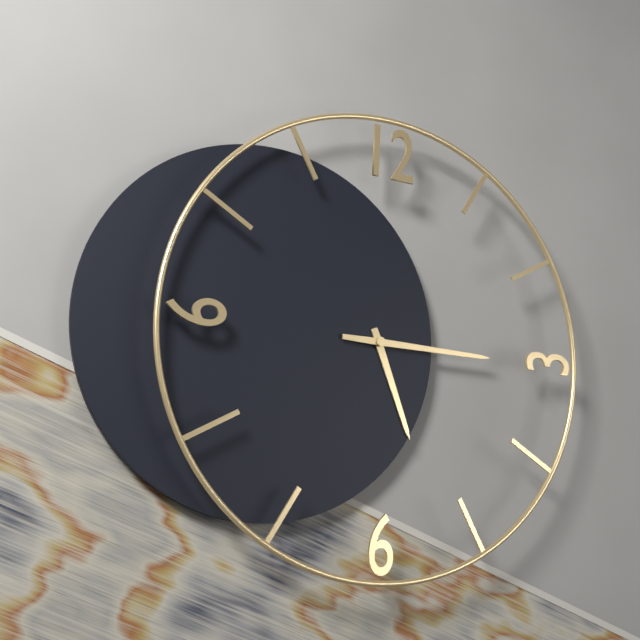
5:15
